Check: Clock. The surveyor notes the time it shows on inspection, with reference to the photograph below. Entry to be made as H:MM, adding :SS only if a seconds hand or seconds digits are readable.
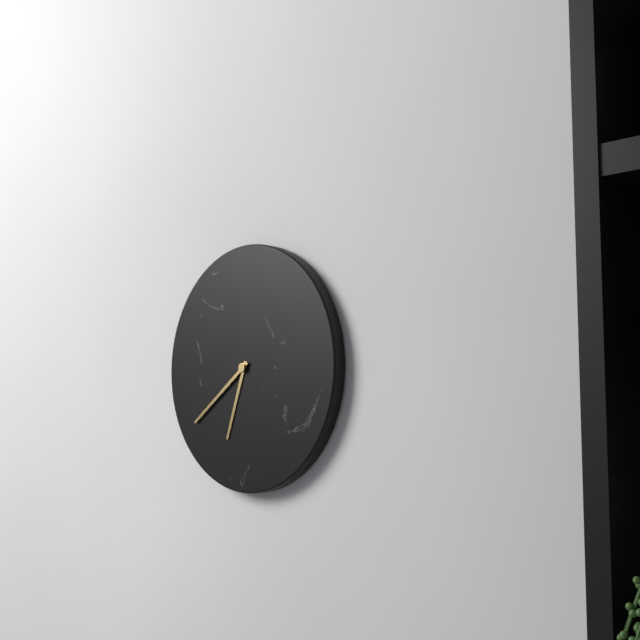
6:39
